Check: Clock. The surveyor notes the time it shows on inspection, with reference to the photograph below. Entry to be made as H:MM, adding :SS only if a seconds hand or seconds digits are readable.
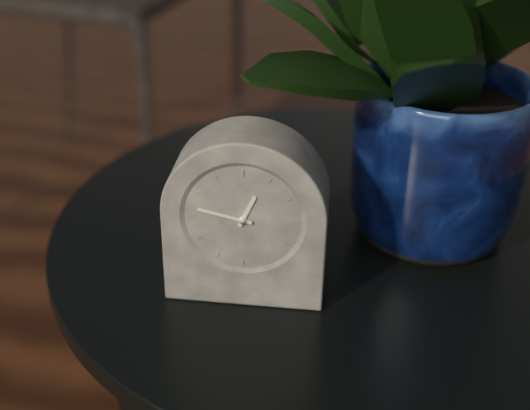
12:47
